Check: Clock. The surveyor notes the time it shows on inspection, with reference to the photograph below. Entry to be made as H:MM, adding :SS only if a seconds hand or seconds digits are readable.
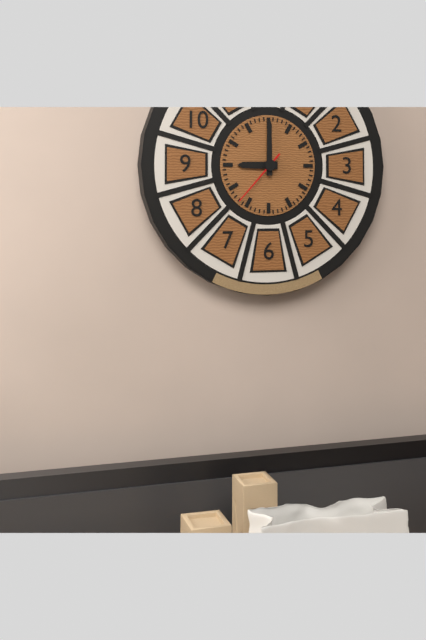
9:00:37
